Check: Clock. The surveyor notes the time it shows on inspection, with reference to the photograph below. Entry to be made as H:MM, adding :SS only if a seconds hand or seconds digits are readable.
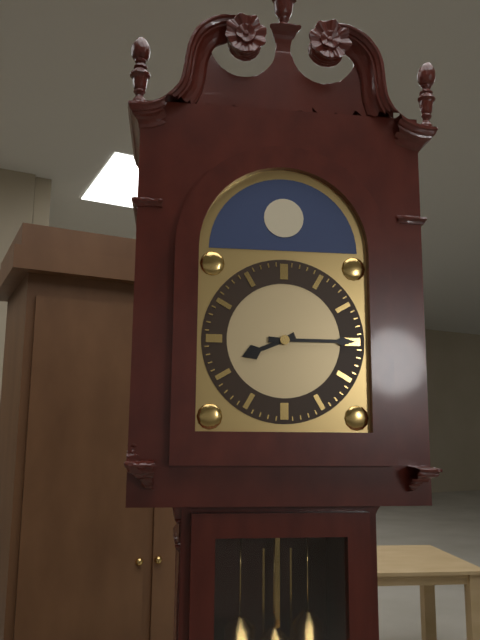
8:15
